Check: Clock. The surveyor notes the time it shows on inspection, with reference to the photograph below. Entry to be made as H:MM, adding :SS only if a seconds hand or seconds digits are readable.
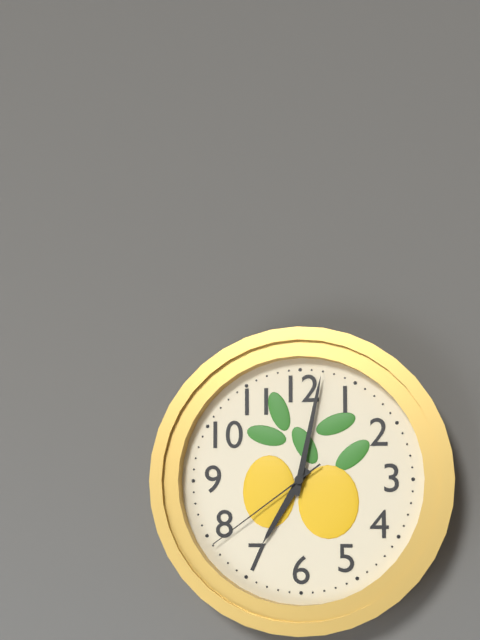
7:02:39
